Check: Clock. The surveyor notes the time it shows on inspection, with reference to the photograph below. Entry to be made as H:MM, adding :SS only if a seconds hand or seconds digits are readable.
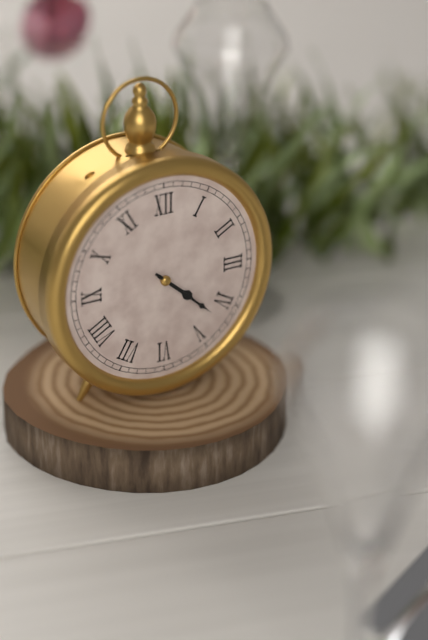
4:22
